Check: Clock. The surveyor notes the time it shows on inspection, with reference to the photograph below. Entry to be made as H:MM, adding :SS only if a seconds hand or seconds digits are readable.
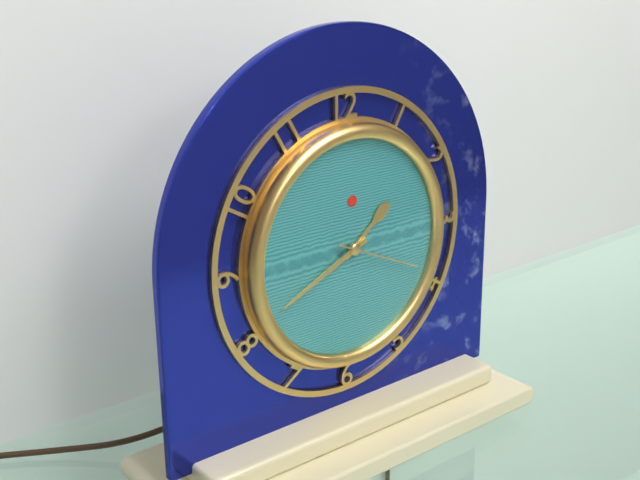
1:41:19
